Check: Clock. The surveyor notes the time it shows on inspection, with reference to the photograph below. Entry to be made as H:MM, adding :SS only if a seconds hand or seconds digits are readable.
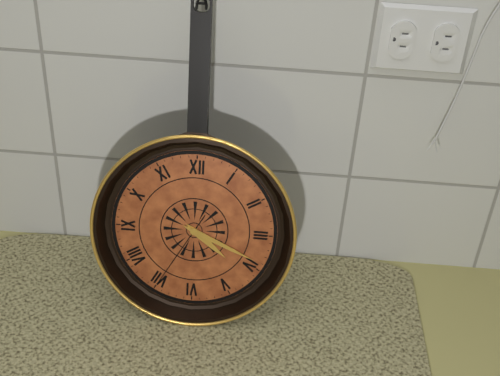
4:19:35
